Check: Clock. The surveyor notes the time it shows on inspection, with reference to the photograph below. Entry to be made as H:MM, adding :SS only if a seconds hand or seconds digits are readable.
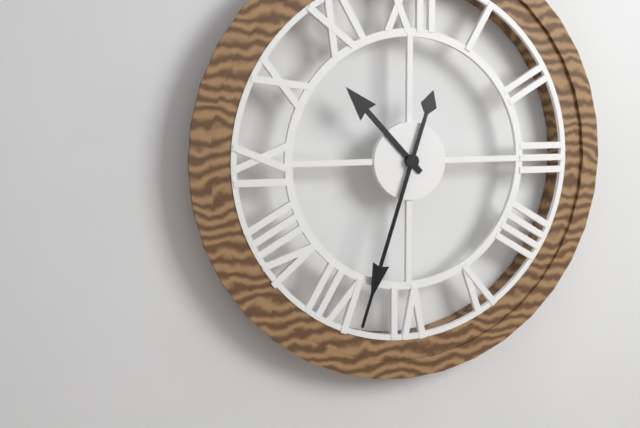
10:33
